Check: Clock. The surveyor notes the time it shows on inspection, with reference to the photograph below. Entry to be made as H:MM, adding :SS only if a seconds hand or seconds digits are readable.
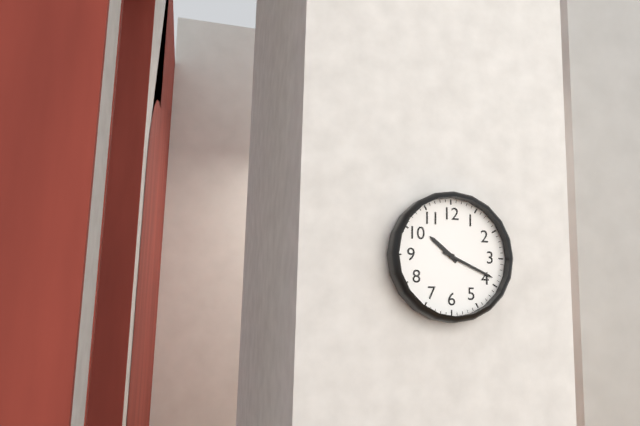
10:19
